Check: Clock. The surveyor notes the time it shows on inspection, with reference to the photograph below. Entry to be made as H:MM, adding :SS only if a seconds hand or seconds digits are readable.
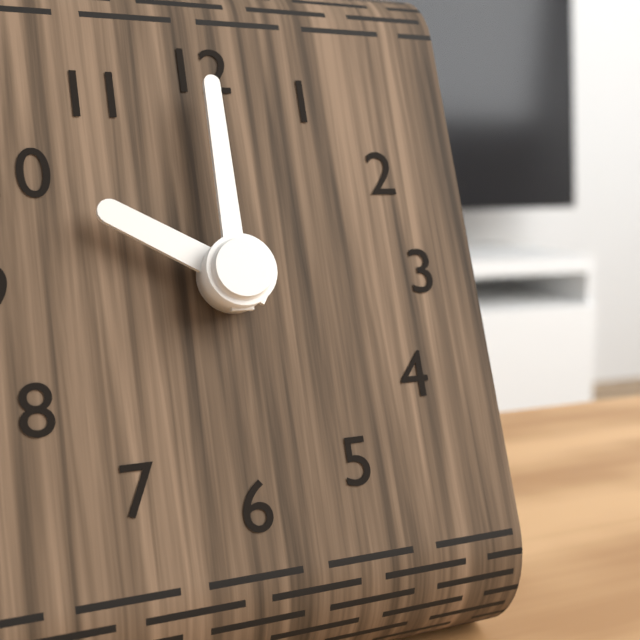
10:00
